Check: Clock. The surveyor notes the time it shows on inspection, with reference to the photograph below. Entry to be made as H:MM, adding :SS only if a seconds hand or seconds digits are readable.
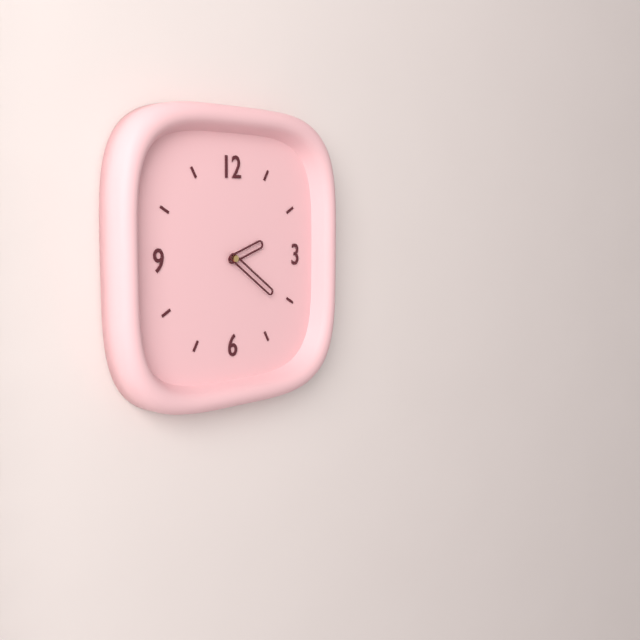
2:21
